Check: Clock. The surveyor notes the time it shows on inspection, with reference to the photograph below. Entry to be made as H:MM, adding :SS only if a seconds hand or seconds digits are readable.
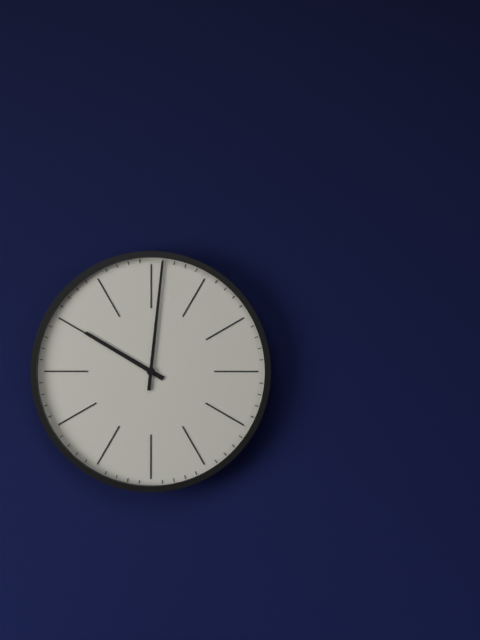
10:01
